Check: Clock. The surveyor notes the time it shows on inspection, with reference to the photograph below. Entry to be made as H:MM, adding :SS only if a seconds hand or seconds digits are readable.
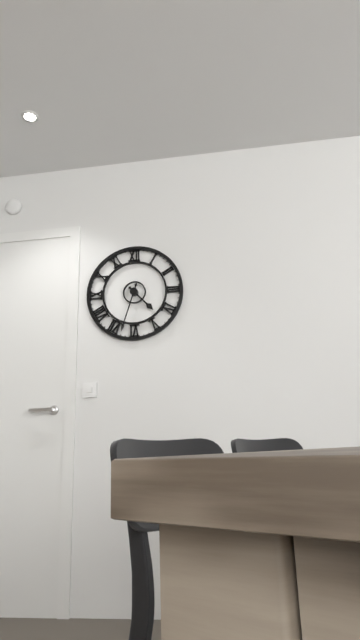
4:33
